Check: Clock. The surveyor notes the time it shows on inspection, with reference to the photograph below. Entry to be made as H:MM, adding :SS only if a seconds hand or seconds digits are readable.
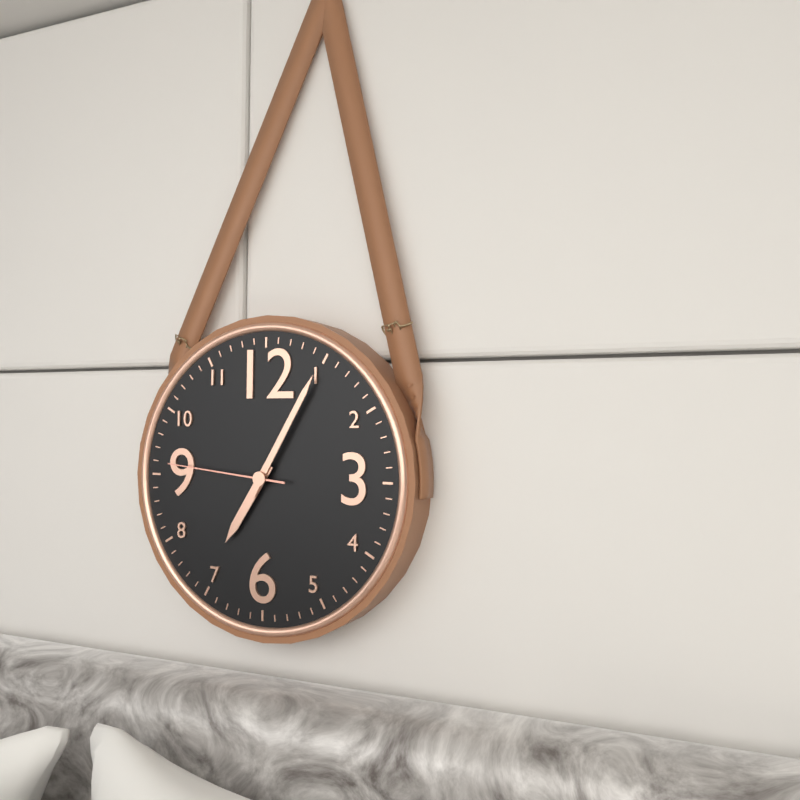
7:05:46
